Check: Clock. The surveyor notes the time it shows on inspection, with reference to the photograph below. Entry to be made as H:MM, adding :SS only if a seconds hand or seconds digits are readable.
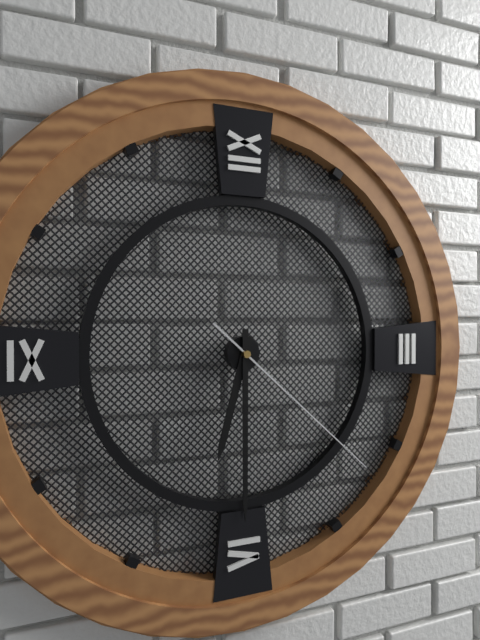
6:30:22
